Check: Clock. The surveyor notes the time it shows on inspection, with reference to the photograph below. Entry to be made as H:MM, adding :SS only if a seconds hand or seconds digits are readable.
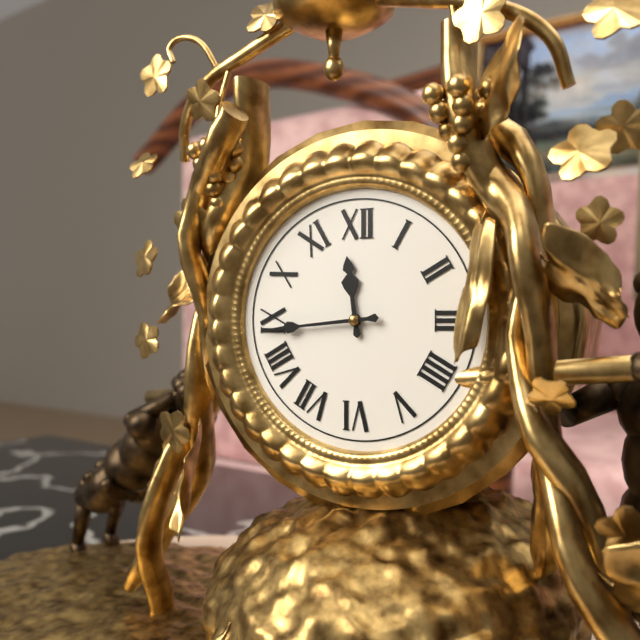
11:44
